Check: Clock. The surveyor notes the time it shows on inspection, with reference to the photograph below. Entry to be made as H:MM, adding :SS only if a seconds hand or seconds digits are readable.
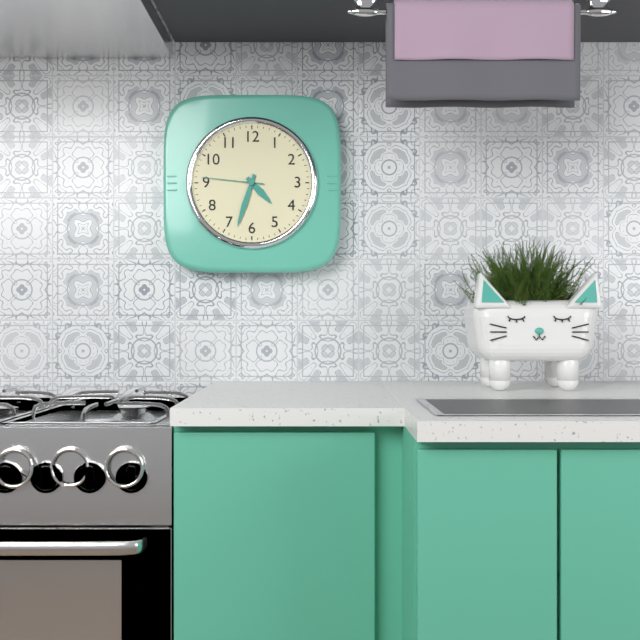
4:33:46
